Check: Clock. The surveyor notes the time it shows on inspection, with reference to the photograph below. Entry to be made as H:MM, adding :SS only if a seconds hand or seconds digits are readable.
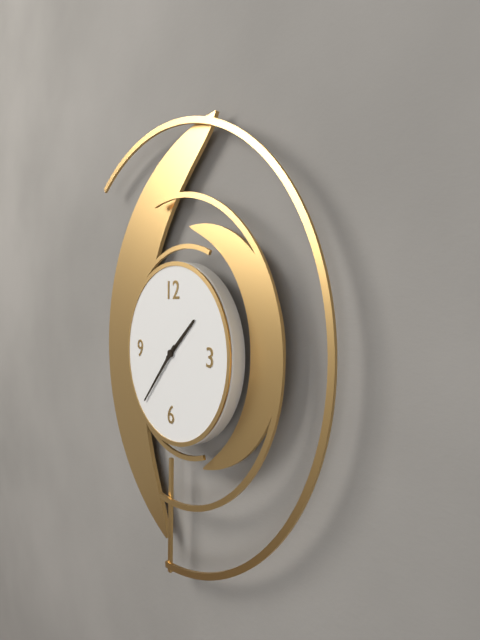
1:37
